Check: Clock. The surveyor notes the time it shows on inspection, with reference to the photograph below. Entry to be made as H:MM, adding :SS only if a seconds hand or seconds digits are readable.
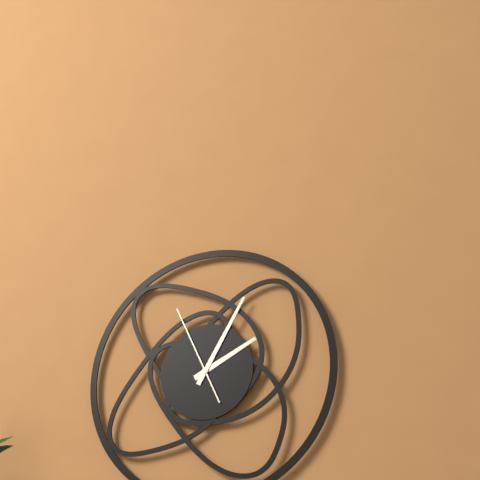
2:05:56
